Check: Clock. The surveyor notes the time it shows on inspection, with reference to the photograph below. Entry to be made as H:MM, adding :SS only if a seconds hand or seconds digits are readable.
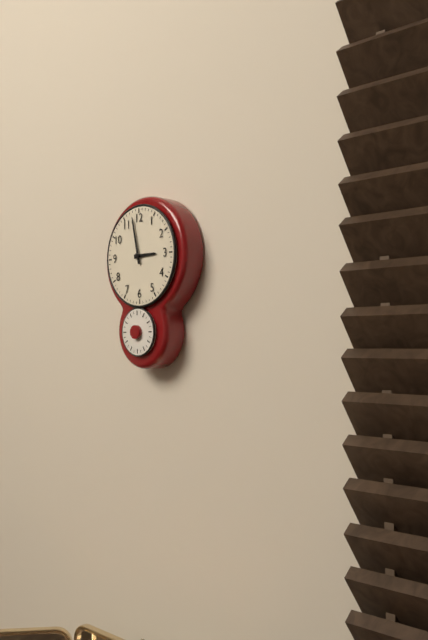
2:58
